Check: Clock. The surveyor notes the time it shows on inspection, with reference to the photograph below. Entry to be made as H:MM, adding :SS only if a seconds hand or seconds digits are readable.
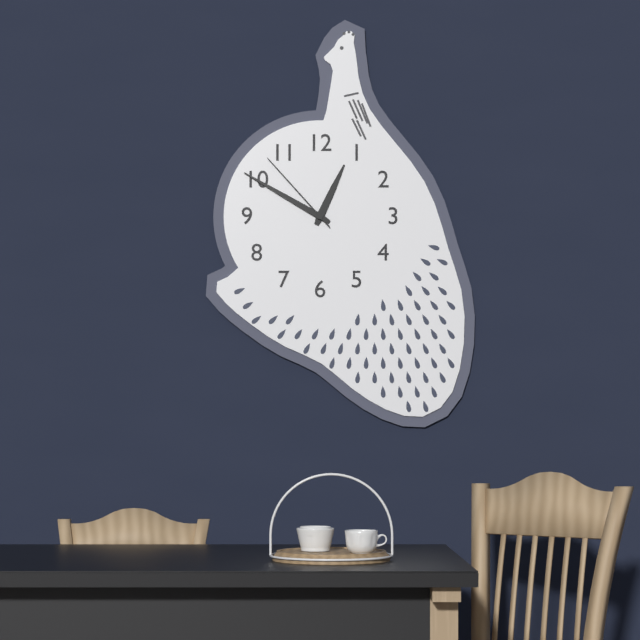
12:50:53
